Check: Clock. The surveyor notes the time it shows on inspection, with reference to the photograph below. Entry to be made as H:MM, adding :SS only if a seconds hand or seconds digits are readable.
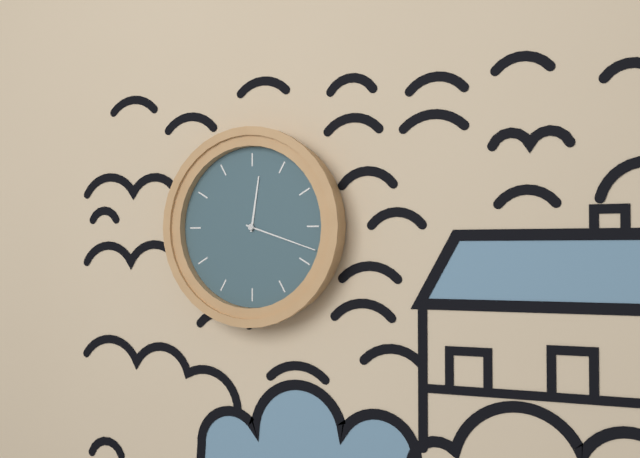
12:18
